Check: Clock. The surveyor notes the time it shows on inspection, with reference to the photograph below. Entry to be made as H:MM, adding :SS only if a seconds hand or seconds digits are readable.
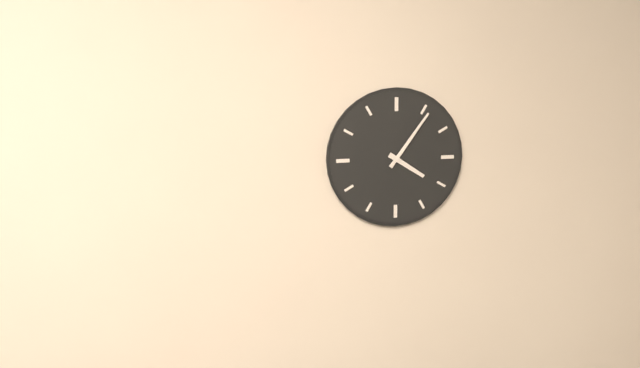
4:06
